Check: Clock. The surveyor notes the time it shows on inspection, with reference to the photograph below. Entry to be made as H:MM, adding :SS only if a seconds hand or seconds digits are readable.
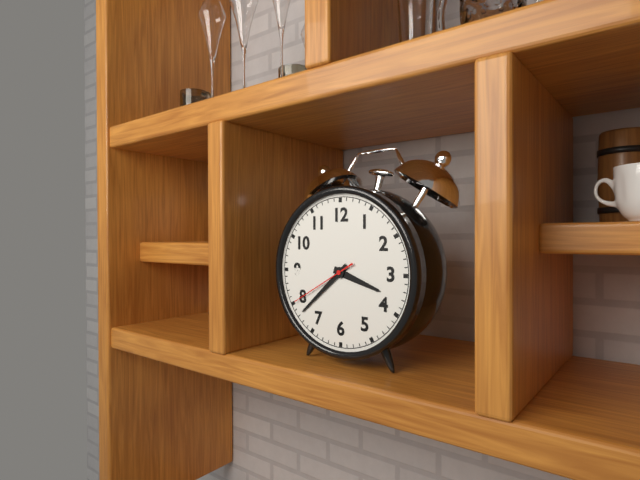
3:38:40
